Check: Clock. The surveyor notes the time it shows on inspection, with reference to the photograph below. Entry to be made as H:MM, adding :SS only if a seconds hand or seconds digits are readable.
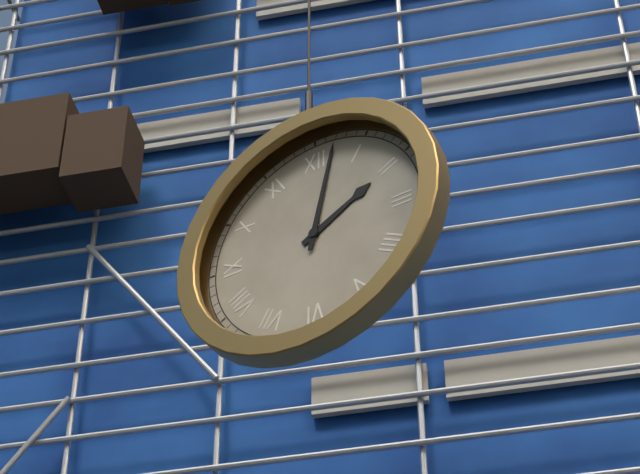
2:02
